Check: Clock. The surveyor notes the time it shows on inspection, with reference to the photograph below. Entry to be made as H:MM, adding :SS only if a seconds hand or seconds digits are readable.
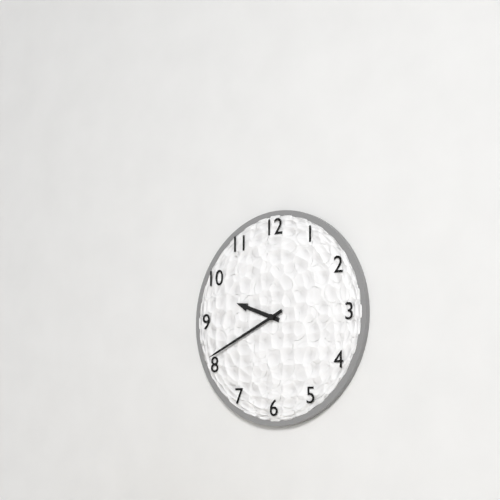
9:41
